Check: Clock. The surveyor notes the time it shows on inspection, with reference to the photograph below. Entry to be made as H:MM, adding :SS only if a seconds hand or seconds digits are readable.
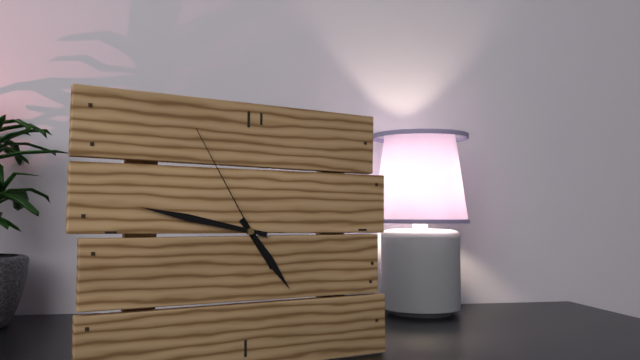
4:47:55
